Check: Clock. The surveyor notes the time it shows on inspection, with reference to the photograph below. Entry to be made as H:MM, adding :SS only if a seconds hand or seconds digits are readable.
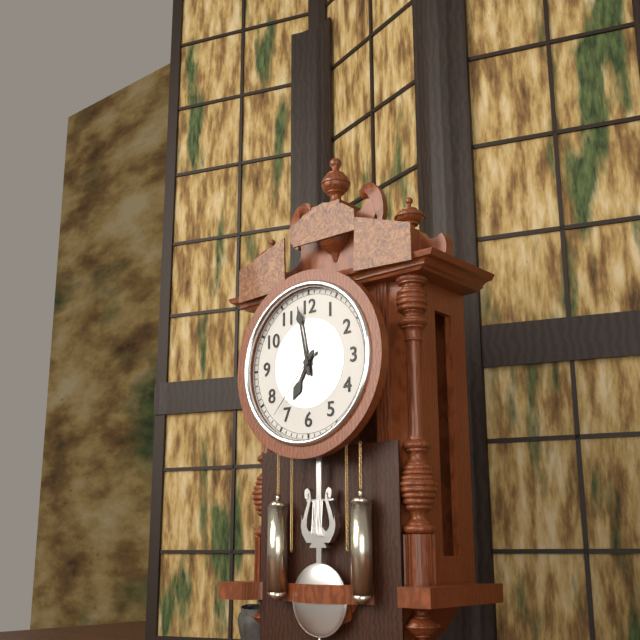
6:58:37
